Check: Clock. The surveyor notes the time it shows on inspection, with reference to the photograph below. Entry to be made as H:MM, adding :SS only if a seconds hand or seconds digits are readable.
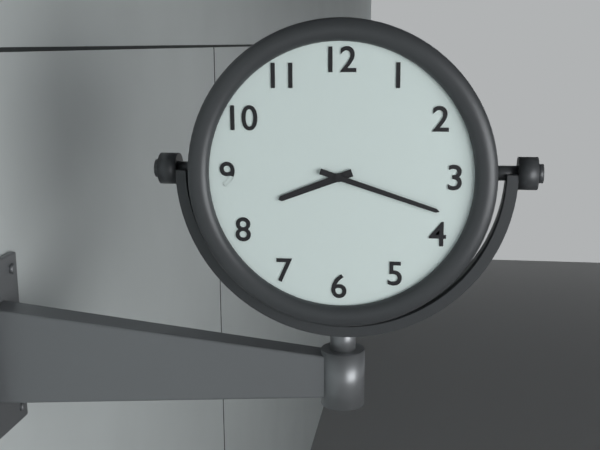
8:18
